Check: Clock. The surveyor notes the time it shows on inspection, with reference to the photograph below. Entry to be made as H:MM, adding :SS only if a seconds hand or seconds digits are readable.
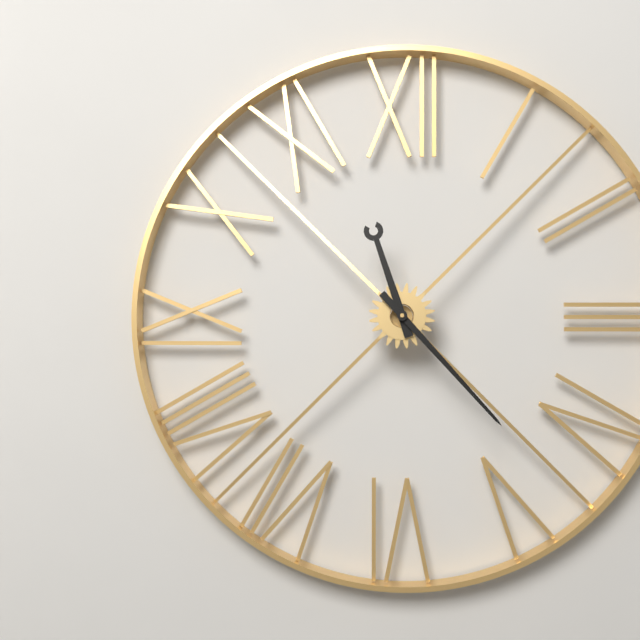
11:23
